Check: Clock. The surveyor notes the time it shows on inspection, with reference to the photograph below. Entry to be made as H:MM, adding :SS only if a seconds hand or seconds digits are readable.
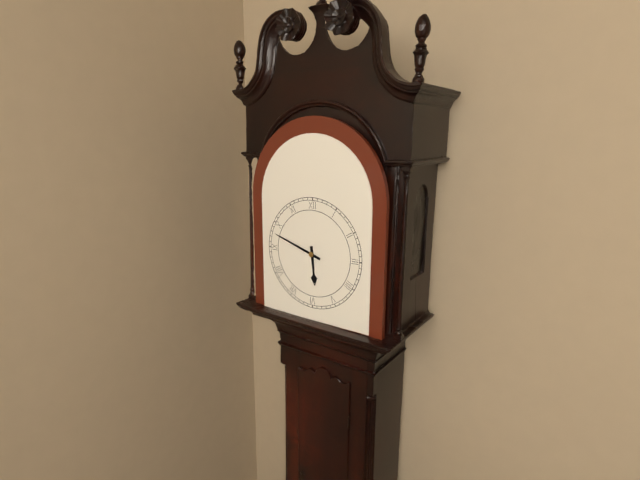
5:48
